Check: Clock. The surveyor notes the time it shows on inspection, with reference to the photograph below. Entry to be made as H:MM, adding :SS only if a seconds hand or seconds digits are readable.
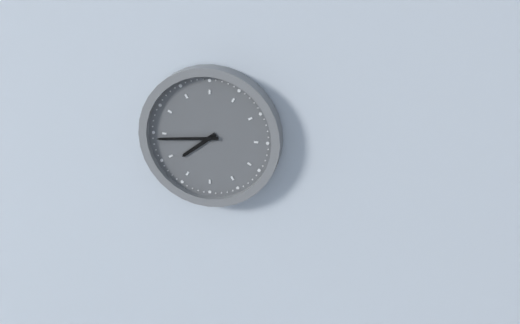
7:44
